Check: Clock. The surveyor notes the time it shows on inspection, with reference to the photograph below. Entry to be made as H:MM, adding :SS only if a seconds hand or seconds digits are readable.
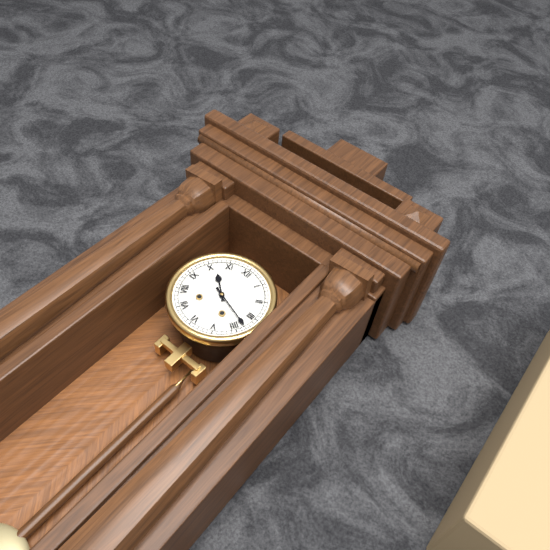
10:18
